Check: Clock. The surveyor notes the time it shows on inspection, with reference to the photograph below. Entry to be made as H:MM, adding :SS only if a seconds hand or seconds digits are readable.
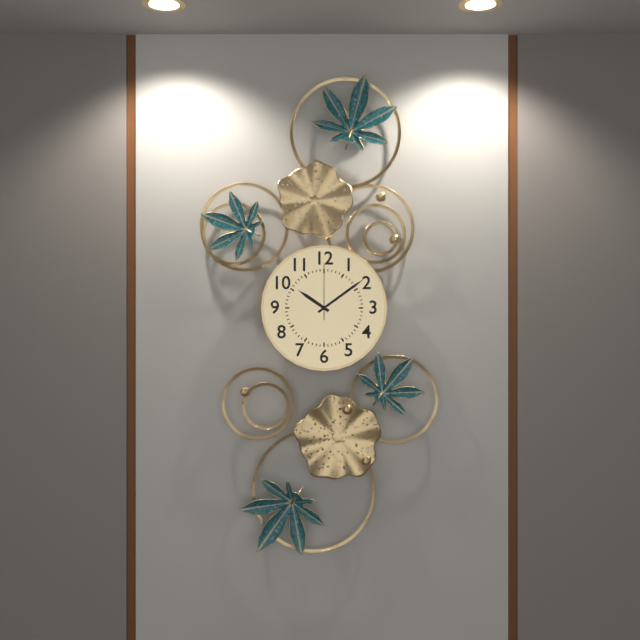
10:09:00
